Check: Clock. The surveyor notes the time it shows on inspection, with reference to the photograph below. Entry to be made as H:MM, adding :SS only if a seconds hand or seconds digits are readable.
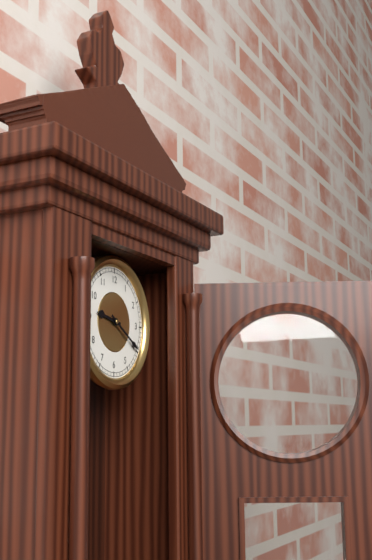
9:20
